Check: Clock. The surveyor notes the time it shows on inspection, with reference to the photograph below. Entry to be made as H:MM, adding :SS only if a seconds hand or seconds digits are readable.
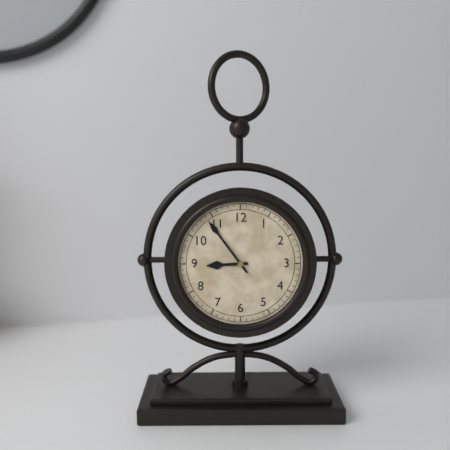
8:54
